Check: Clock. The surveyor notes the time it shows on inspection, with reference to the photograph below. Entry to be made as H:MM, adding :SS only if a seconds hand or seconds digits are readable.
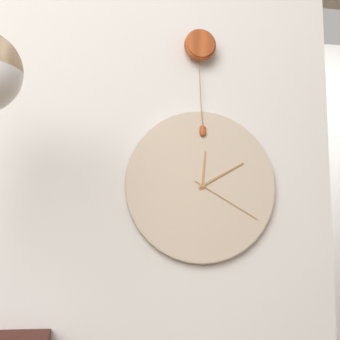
12:10:20
